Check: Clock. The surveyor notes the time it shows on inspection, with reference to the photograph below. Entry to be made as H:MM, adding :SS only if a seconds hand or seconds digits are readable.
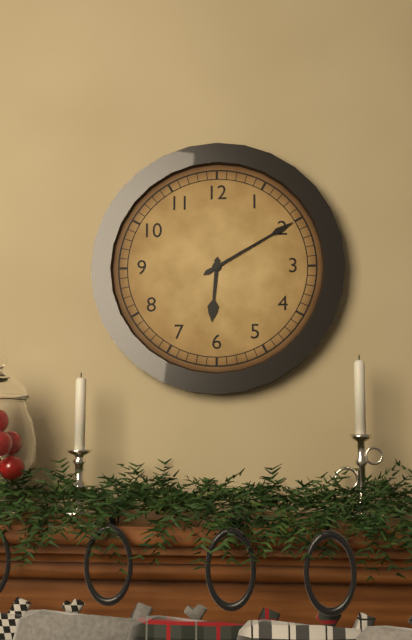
6:10
